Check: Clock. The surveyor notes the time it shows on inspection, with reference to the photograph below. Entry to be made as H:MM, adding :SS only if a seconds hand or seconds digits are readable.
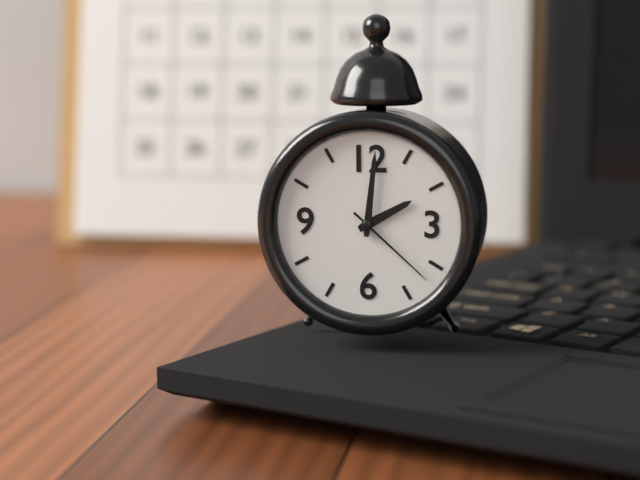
2:01:22
